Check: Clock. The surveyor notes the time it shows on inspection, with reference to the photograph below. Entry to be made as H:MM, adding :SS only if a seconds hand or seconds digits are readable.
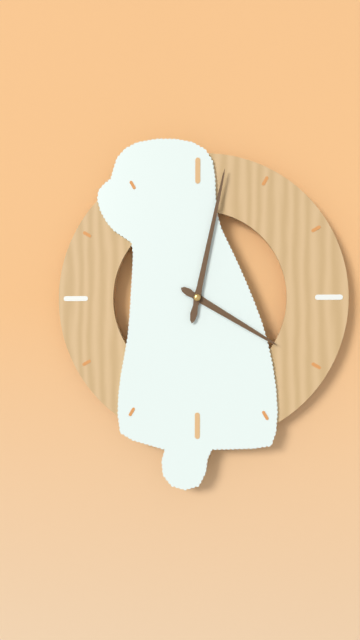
4:02
